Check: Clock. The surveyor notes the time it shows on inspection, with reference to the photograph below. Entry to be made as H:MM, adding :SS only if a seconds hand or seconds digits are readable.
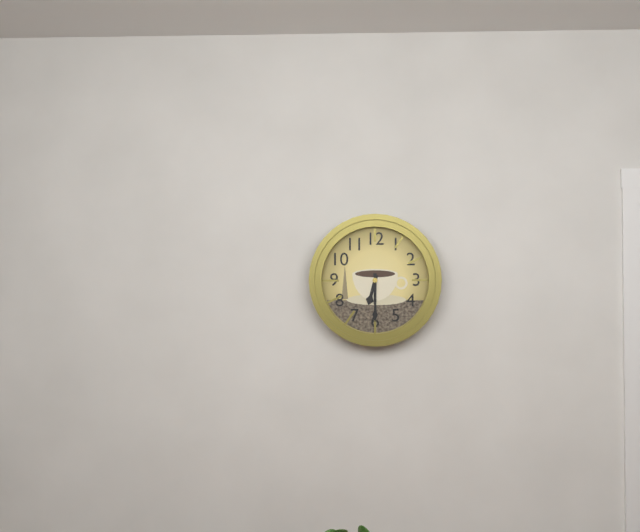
6:30
